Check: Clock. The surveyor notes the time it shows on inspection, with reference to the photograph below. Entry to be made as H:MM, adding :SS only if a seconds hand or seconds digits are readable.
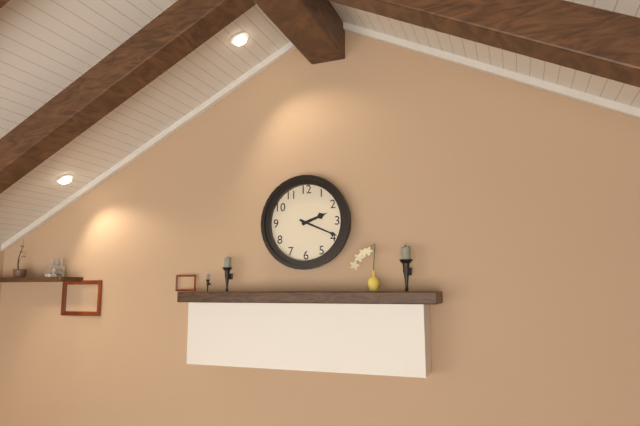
2:19
